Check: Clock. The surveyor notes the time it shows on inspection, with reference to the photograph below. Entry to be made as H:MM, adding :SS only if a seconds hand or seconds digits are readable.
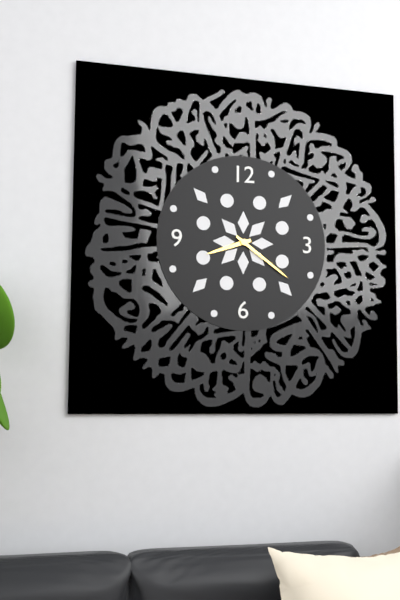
8:21
